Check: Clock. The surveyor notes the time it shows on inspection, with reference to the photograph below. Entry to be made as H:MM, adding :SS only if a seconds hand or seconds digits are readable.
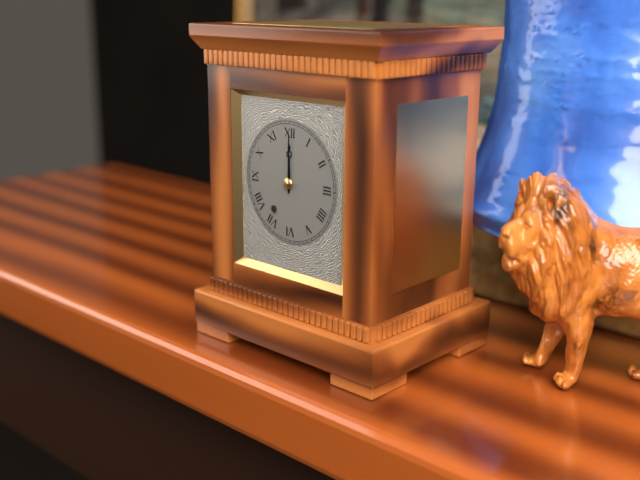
12:00
